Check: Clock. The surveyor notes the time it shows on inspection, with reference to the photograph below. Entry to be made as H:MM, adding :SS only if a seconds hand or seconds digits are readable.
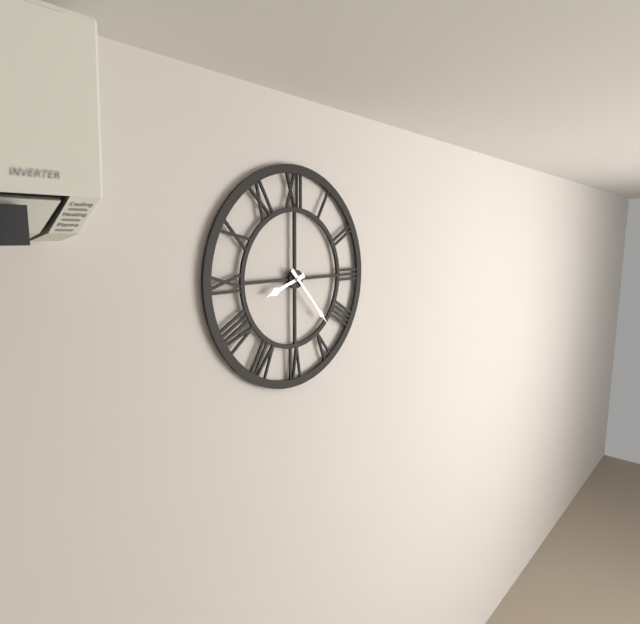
8:23
